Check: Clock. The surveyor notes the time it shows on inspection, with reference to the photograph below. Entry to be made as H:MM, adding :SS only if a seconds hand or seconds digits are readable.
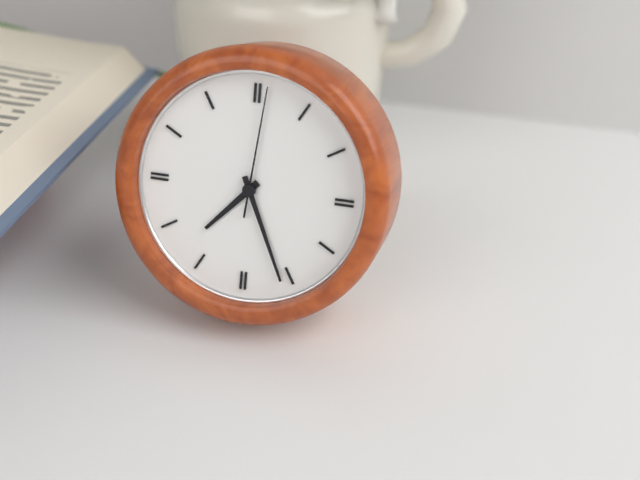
7:26:01
